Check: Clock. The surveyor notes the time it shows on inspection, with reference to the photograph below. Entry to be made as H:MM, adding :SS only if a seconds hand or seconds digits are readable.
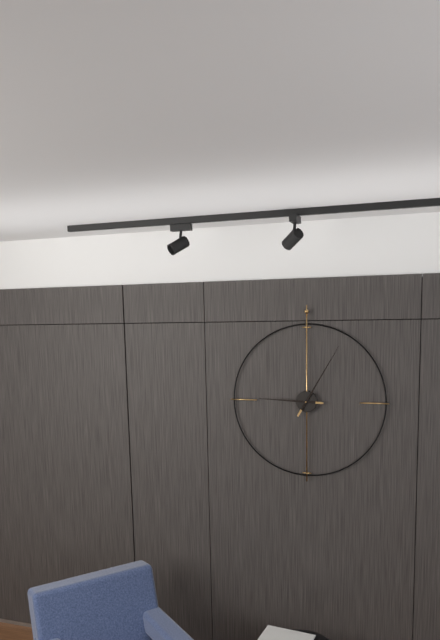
9:05
